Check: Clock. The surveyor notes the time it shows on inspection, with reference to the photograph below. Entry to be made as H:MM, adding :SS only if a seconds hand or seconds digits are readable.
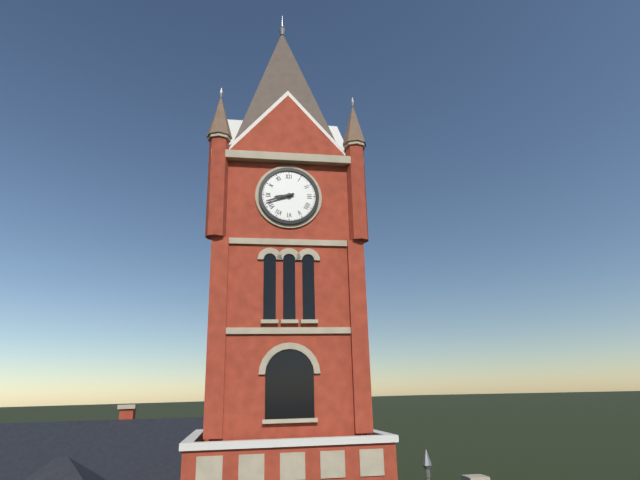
8:42
